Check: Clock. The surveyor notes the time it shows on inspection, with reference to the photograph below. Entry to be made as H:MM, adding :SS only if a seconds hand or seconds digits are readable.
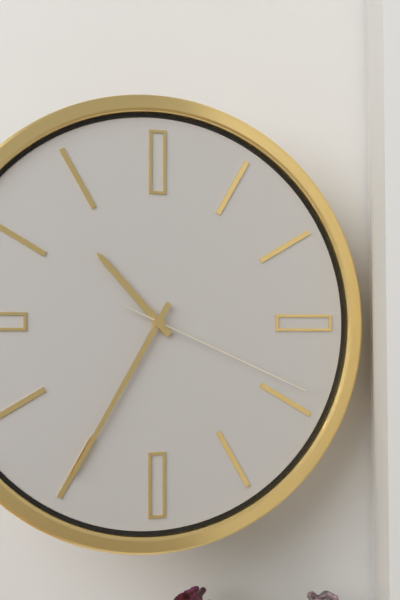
10:35:19
